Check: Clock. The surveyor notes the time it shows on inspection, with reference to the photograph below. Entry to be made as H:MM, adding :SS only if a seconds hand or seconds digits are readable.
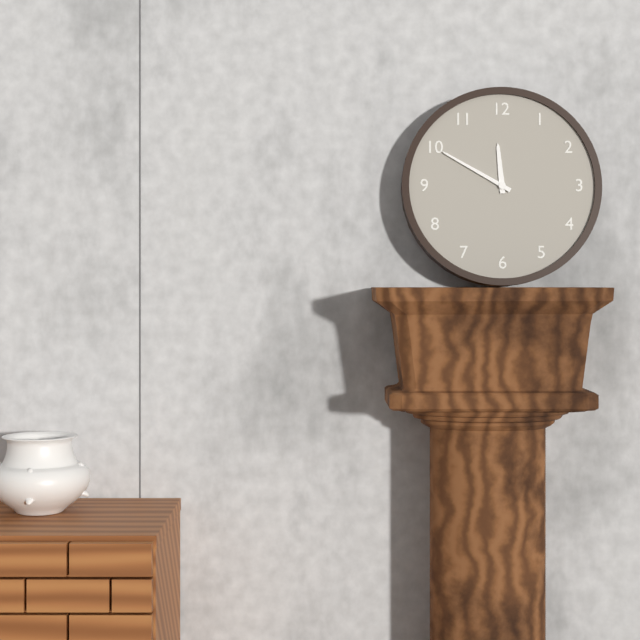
11:50
